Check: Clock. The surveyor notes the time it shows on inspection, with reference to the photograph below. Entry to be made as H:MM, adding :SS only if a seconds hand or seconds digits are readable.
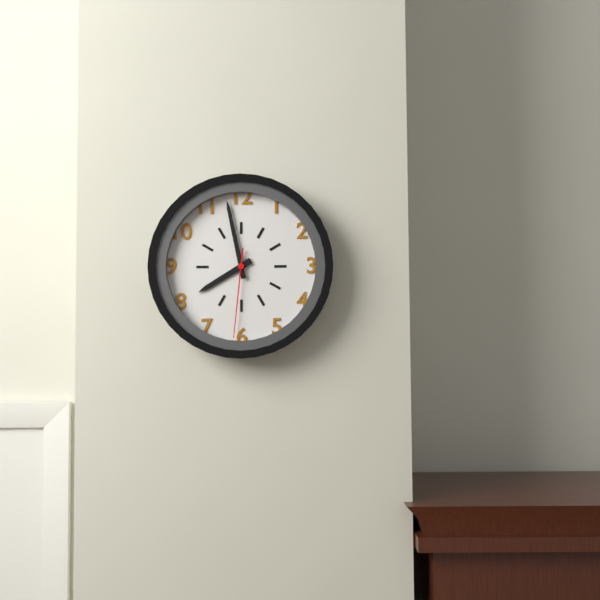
7:58:31
